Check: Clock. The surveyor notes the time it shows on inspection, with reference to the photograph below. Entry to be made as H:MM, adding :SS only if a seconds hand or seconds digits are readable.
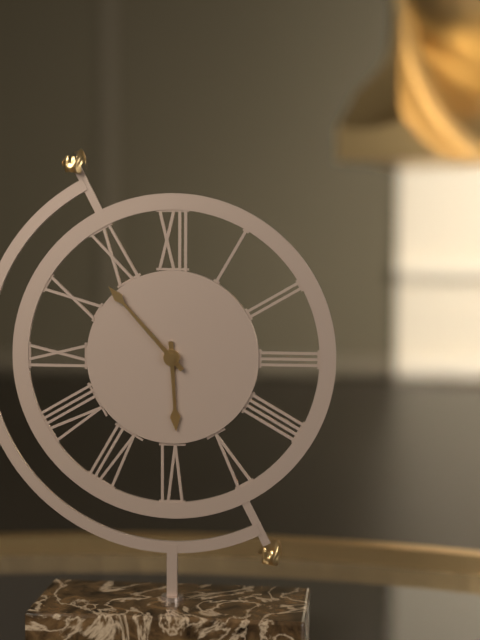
5:53
